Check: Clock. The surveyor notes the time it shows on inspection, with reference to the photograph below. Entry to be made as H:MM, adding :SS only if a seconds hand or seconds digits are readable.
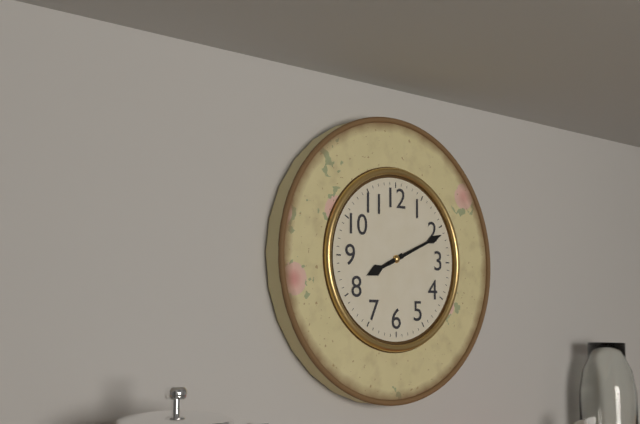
8:11
